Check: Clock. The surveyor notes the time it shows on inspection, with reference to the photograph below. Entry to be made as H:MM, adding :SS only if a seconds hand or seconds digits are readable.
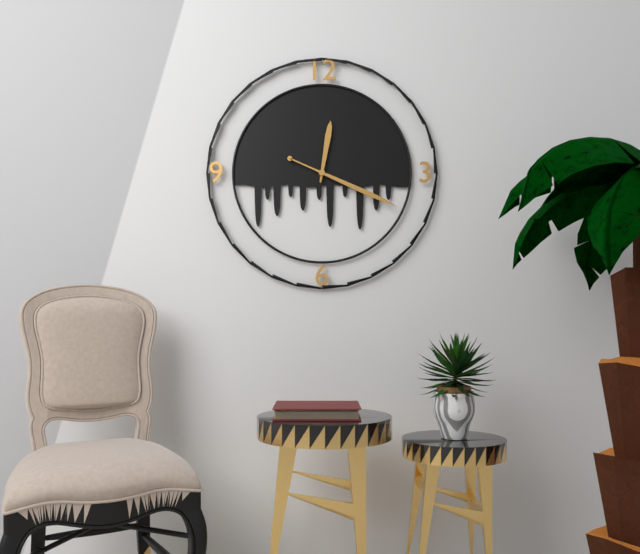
12:19
